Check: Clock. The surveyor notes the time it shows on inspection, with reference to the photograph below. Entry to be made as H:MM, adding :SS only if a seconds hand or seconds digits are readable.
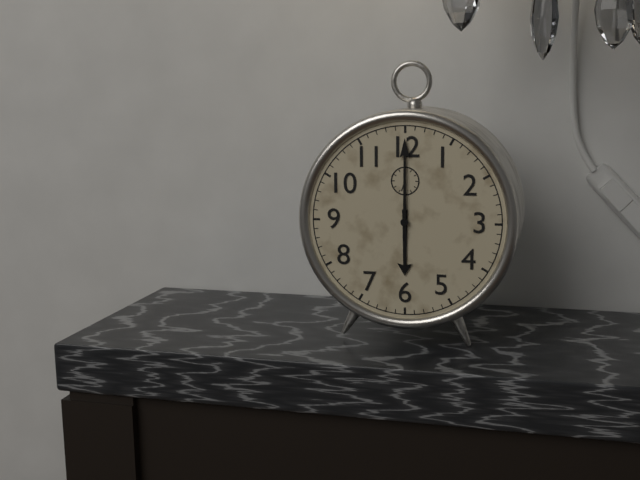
6:00
